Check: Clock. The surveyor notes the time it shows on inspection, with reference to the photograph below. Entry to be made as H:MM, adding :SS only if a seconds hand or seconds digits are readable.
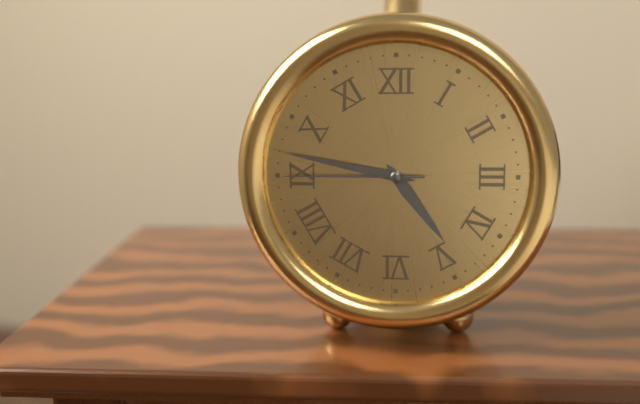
4:47:45
